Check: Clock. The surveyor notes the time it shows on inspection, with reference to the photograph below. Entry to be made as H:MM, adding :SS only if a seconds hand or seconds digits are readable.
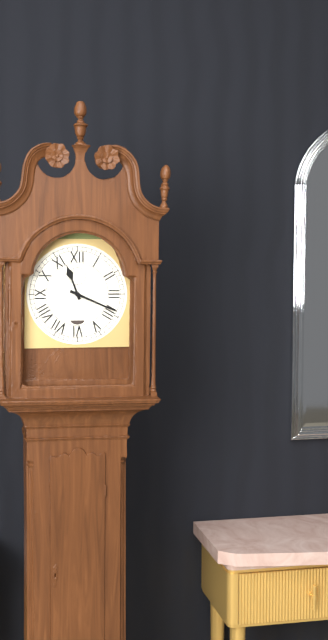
11:19
